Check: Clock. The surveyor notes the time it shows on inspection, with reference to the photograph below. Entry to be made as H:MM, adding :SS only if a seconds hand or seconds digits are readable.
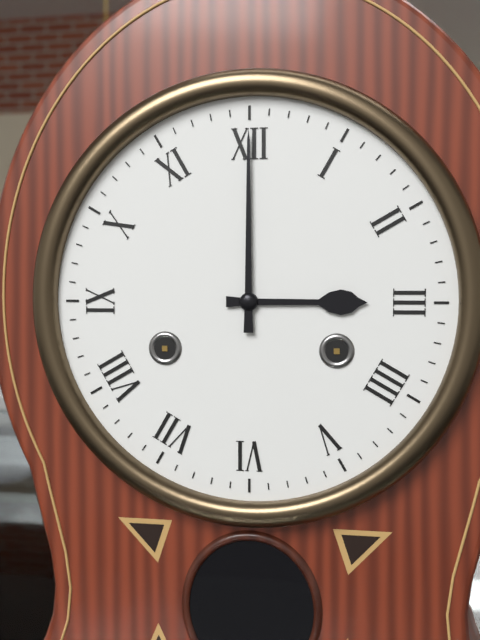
3:00
